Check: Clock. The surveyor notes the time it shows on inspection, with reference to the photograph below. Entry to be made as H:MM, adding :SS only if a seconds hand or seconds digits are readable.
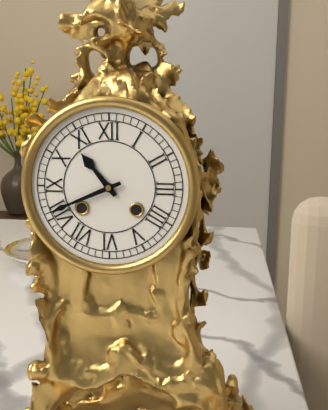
10:41
